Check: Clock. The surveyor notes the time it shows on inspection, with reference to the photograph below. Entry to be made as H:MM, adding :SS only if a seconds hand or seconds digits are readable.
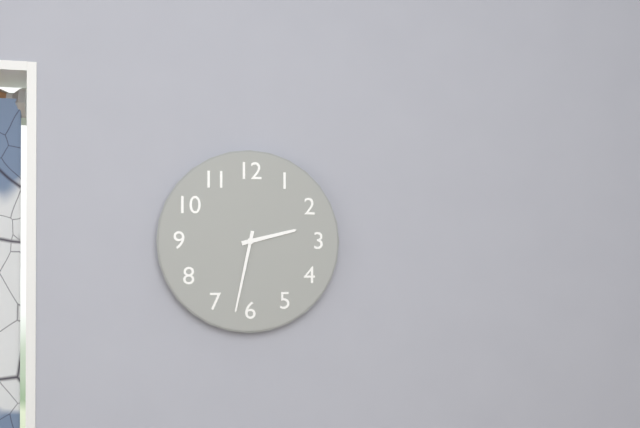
2:32
